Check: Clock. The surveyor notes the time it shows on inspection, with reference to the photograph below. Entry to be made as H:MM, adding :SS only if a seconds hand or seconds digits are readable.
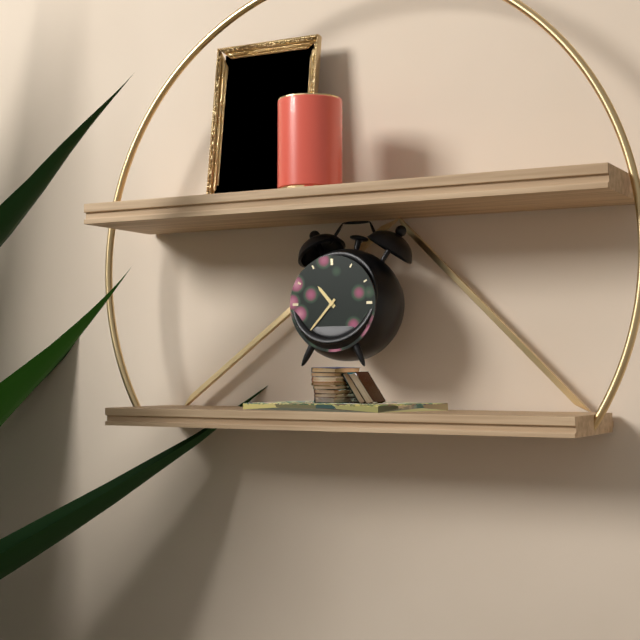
10:37
